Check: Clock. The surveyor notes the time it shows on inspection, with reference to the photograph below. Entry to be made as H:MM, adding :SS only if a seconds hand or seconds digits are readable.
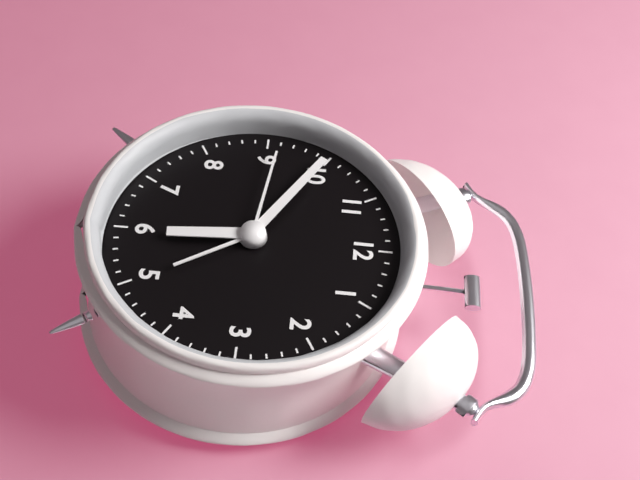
5:50:46
